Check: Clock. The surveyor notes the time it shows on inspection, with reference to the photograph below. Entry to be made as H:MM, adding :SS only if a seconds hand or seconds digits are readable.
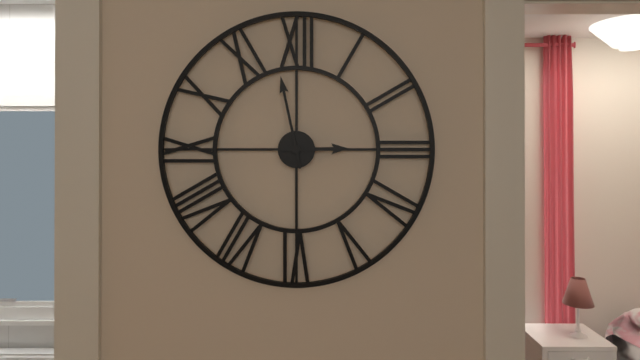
2:58
